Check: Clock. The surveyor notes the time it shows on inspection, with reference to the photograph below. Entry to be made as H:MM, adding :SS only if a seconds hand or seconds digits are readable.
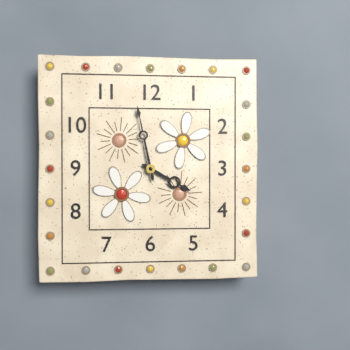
3:58
